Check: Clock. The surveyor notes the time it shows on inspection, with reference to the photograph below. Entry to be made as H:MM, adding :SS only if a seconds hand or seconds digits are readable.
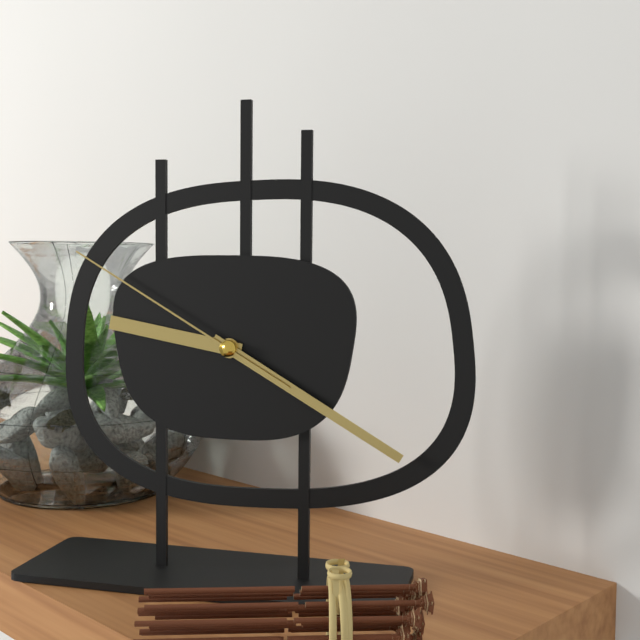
9:20:50
